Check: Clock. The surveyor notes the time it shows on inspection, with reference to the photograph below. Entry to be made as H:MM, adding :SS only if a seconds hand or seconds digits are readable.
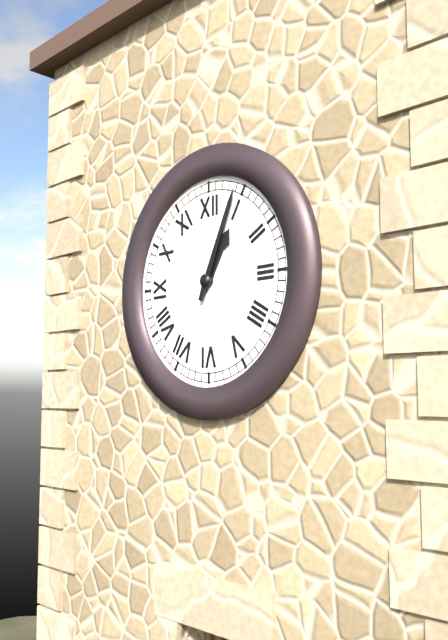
1:04
